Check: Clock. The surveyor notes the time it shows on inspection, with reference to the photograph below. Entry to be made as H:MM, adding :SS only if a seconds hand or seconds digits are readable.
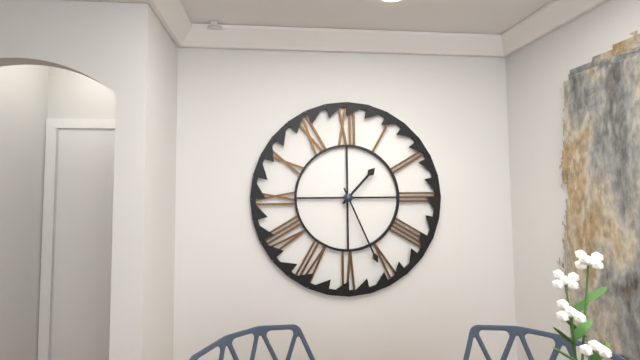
1:26
